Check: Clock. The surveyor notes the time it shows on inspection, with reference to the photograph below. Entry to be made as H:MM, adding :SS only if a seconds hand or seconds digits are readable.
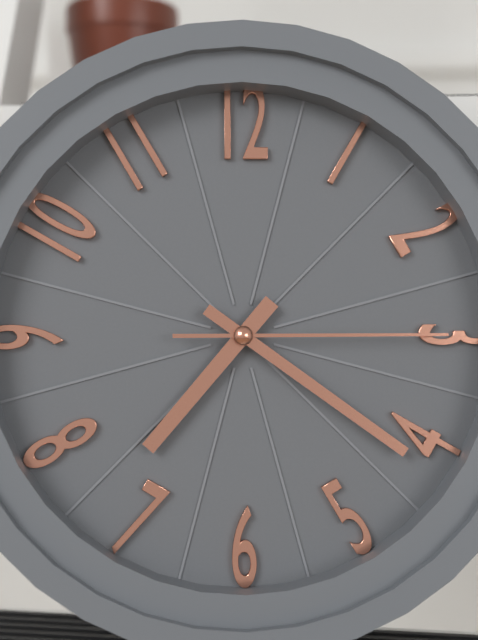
7:21:15
